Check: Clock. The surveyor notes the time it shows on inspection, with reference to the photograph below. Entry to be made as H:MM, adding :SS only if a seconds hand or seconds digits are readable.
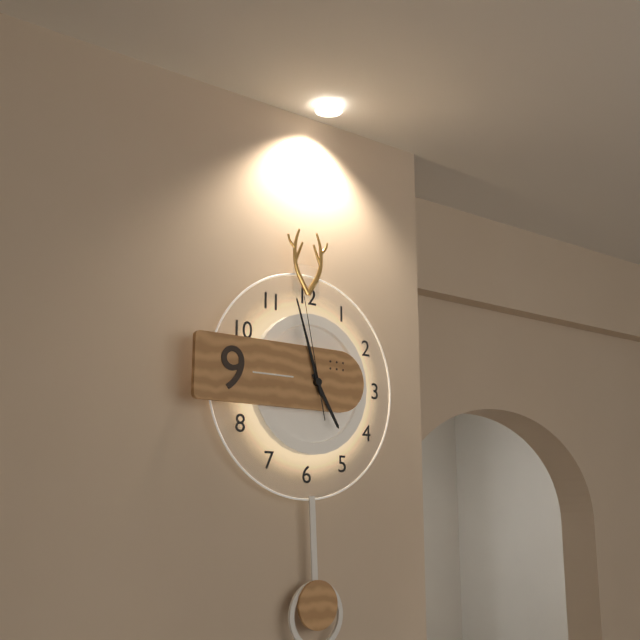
4:57:58
